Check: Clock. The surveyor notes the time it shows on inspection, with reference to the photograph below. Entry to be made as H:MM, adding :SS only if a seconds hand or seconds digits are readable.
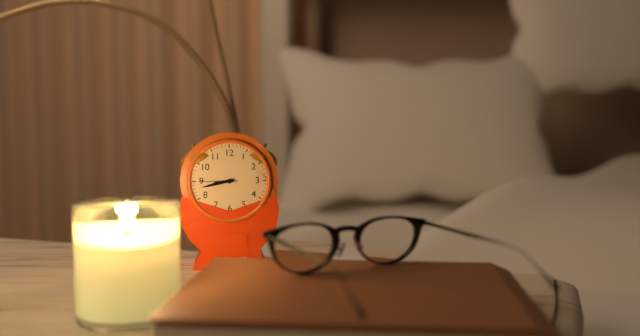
8:43
